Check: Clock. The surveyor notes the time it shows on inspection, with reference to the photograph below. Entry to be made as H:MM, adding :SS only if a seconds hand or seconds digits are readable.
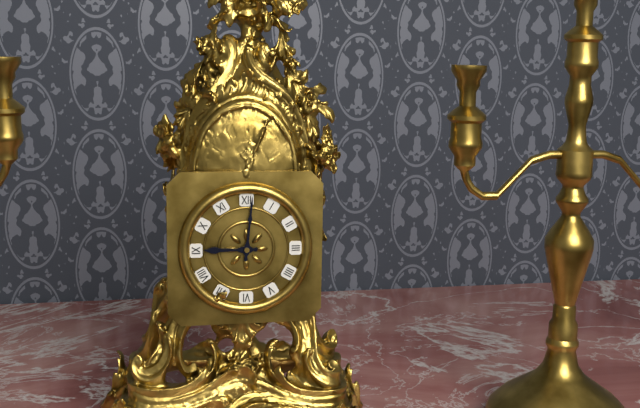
9:01
